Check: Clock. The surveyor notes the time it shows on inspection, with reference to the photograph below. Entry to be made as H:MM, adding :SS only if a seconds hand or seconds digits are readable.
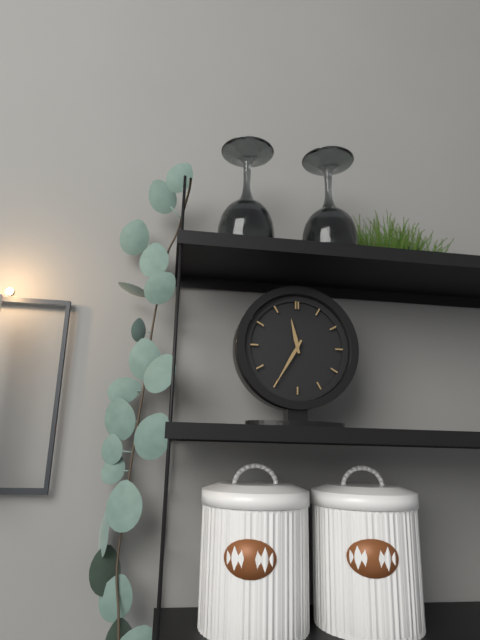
11:35
